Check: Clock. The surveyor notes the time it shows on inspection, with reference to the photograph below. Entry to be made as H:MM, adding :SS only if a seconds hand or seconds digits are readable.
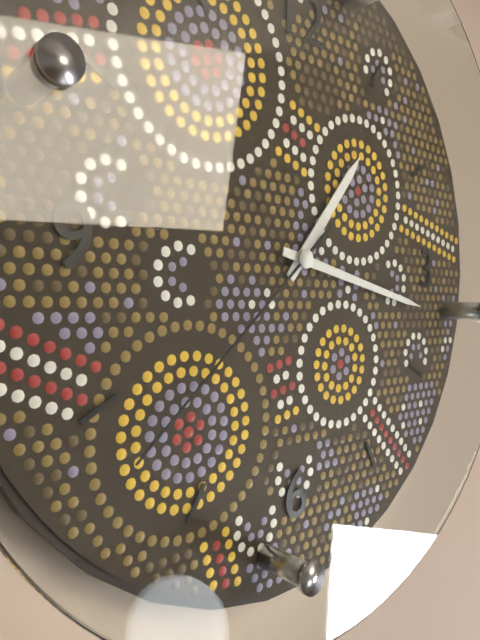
1:17:38
